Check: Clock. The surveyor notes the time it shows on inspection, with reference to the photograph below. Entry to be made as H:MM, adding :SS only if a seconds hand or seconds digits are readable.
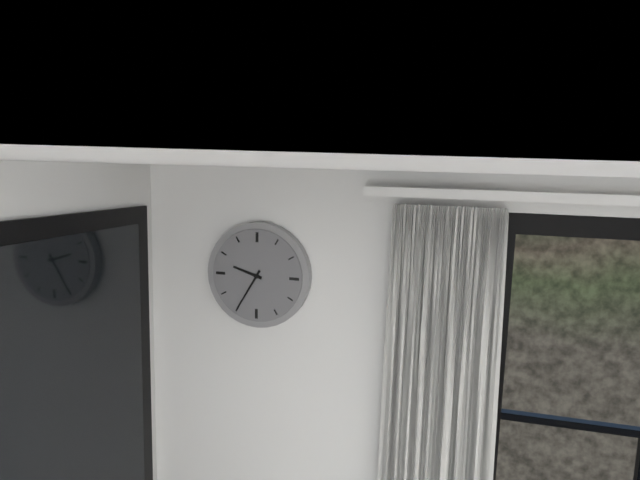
9:35
